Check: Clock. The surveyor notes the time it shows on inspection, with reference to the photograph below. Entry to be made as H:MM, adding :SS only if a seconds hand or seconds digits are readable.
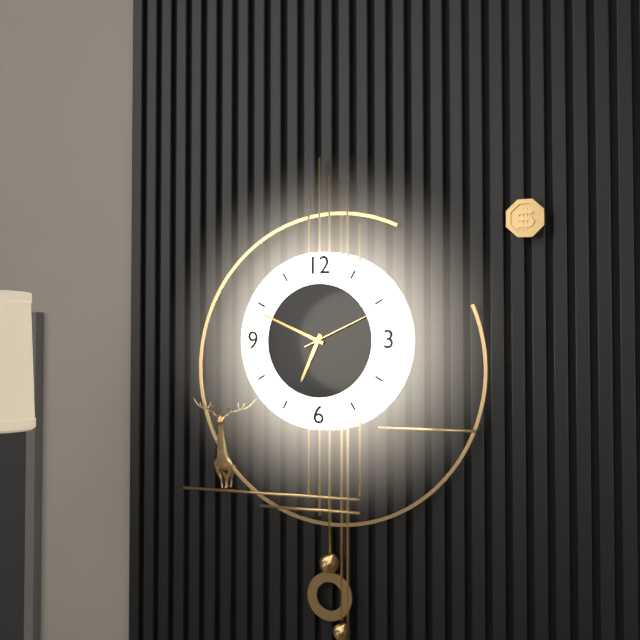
6:49:11
